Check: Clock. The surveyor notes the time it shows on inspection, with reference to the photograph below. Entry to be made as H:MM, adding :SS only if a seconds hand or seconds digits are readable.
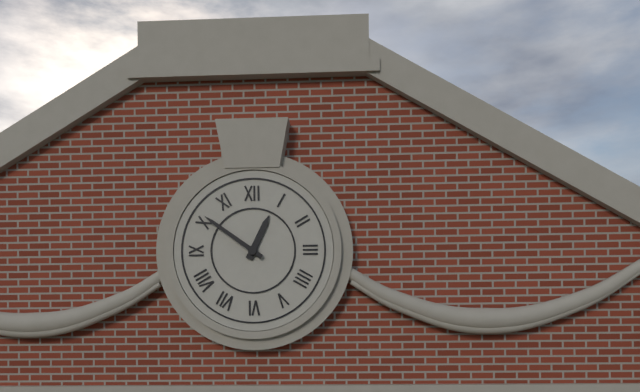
12:51
